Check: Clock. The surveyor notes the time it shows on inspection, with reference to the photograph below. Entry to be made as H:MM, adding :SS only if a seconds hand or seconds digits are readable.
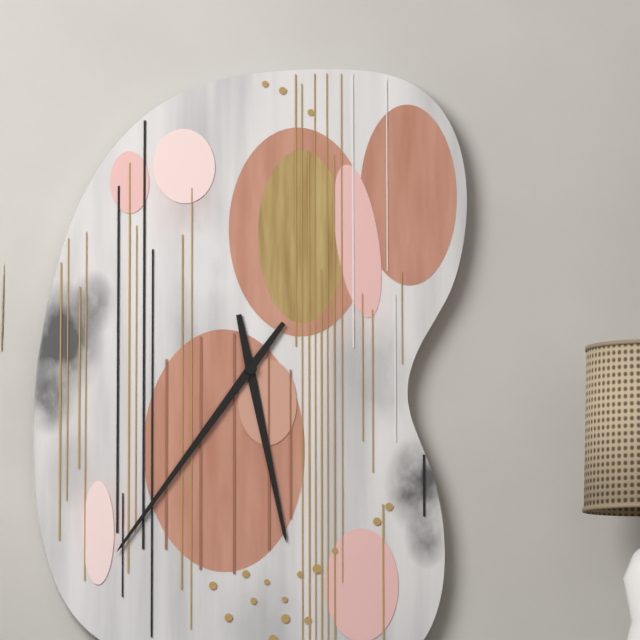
5:36
